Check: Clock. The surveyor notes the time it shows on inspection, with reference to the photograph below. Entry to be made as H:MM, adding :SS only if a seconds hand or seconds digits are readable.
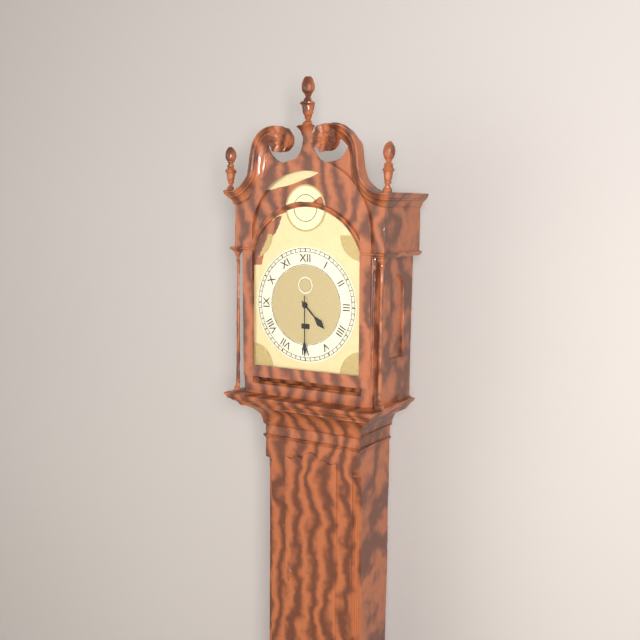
4:30
